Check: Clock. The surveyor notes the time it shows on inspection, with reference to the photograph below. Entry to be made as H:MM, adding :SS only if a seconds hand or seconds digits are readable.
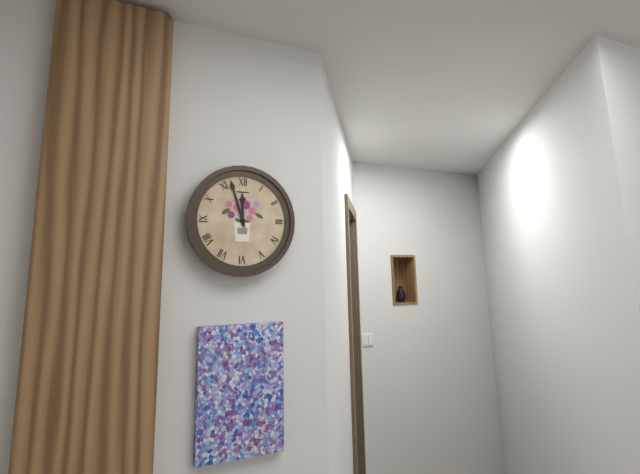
11:57
